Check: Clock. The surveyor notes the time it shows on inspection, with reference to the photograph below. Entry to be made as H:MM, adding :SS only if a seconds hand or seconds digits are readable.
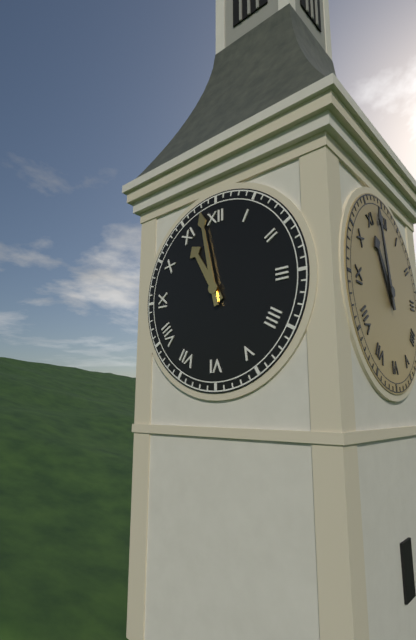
10:58
